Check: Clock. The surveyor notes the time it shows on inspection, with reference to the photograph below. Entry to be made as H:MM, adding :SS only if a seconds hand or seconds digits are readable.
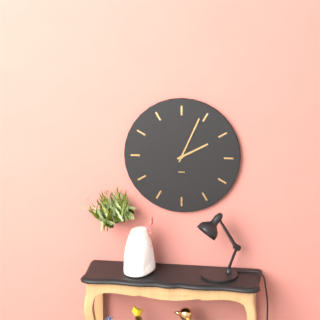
2:04
